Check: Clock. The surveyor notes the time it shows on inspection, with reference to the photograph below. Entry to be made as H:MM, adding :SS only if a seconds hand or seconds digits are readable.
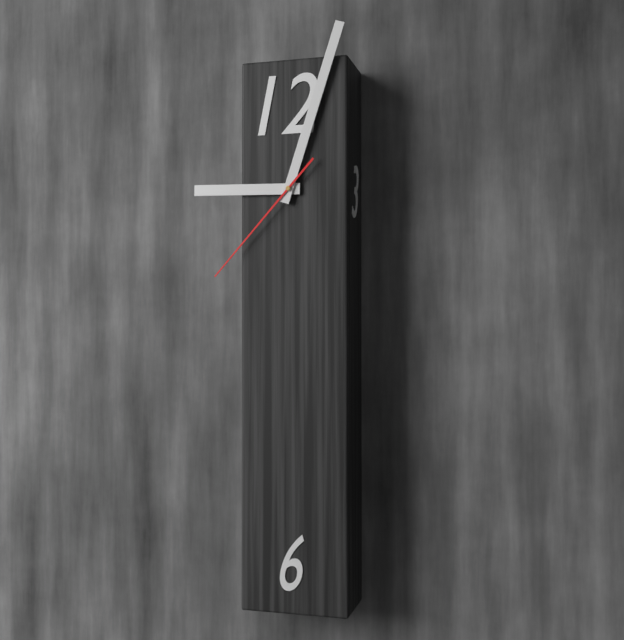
9:03:37
